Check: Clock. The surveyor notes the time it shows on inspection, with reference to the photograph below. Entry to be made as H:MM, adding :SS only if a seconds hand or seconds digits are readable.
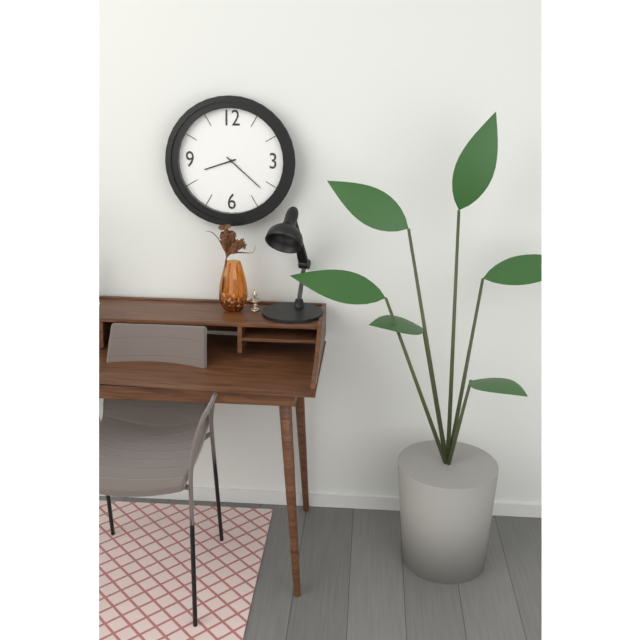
8:22
